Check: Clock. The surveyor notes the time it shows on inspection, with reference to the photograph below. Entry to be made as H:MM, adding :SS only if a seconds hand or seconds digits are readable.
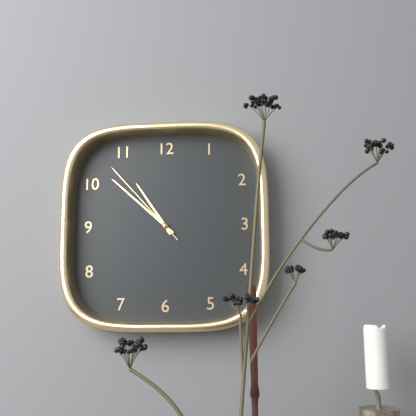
10:52:53
